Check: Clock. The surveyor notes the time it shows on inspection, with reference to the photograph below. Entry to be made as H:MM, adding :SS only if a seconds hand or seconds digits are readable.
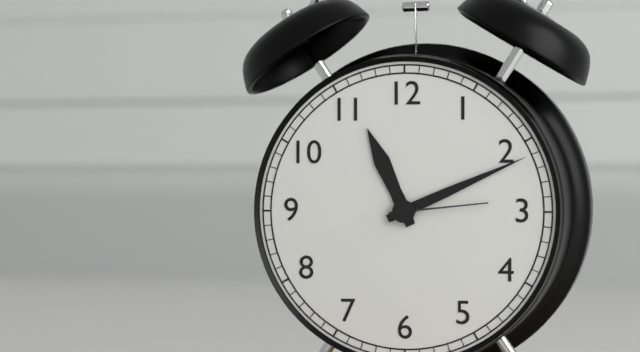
11:11:14
